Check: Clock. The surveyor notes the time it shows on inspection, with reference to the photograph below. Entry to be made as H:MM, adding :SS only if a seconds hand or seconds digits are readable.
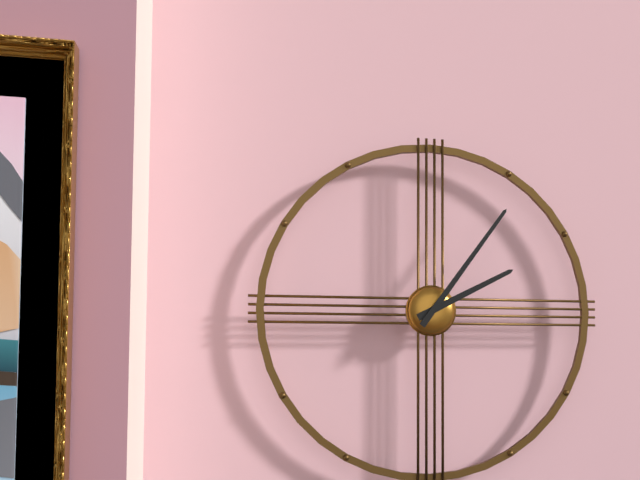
2:06
